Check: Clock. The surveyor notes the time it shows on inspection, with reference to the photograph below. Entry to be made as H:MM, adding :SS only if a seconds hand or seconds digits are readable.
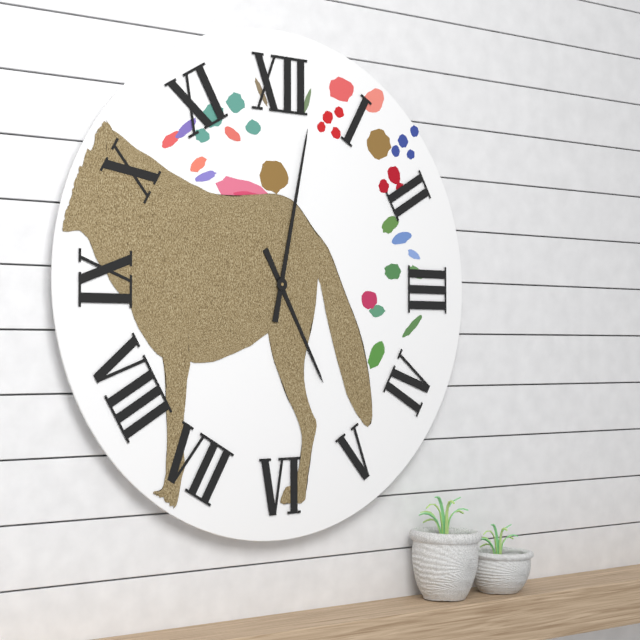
5:02
